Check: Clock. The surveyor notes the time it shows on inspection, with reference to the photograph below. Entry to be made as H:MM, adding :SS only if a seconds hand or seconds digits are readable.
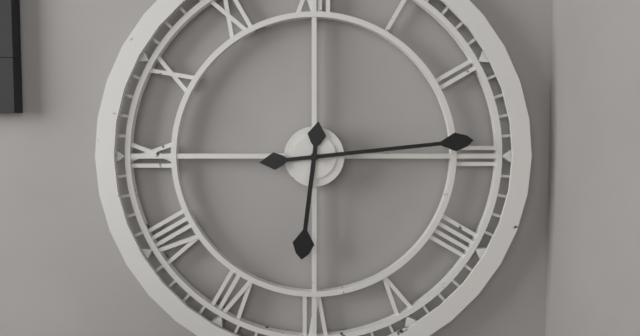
6:14
